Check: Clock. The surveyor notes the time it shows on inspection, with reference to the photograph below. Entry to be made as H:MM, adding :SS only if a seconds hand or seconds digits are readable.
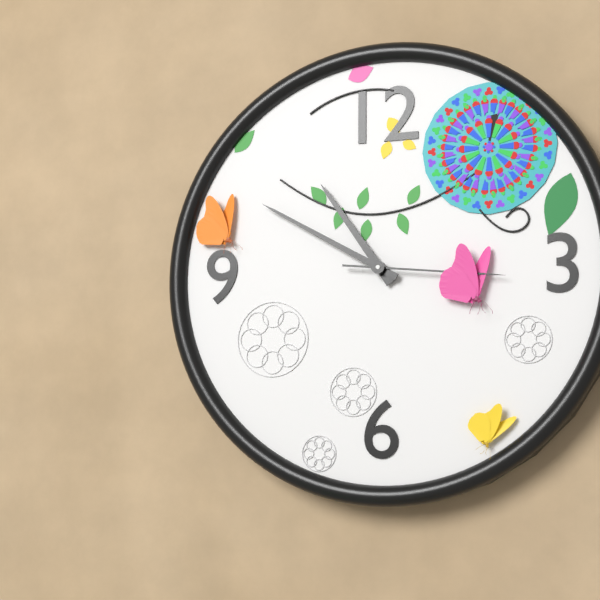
10:50
